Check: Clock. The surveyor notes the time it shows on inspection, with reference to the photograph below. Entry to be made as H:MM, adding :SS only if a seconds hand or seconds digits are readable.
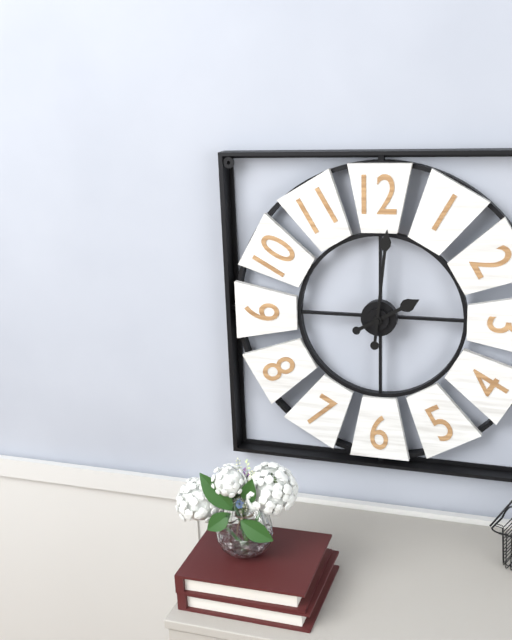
2:01
